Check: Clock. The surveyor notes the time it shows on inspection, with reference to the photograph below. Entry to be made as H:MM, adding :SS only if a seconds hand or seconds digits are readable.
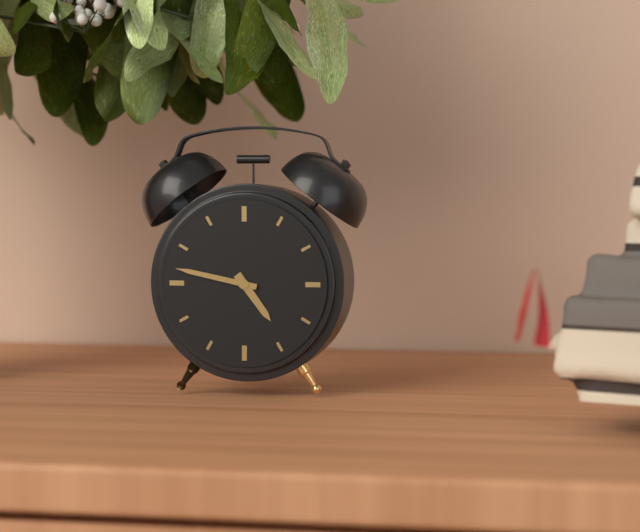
4:47
